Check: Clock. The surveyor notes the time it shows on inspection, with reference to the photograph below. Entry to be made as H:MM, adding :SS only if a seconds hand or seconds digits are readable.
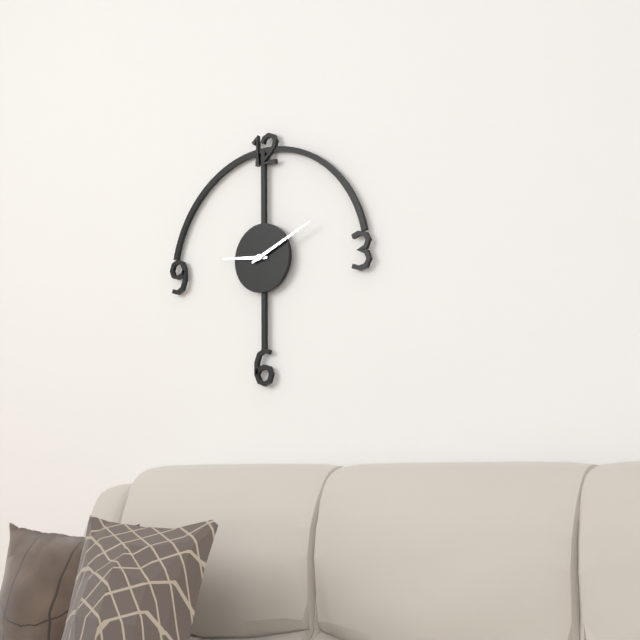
9:11
